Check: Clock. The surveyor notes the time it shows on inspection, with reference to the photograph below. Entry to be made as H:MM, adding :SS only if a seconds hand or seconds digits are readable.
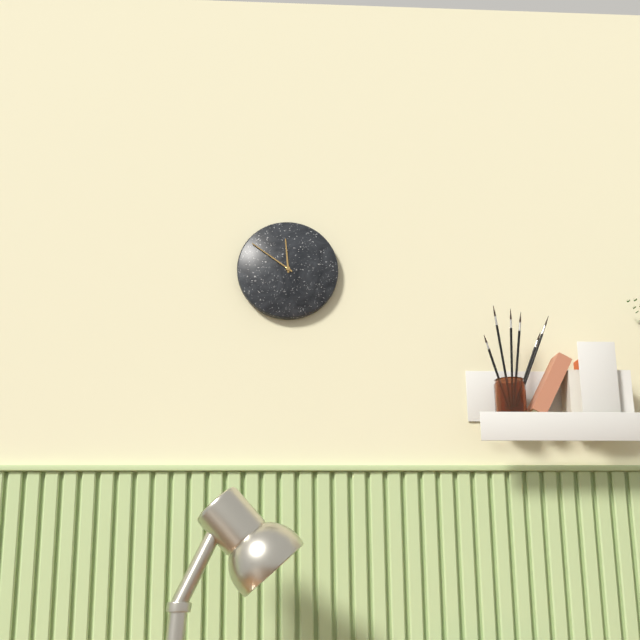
11:51
